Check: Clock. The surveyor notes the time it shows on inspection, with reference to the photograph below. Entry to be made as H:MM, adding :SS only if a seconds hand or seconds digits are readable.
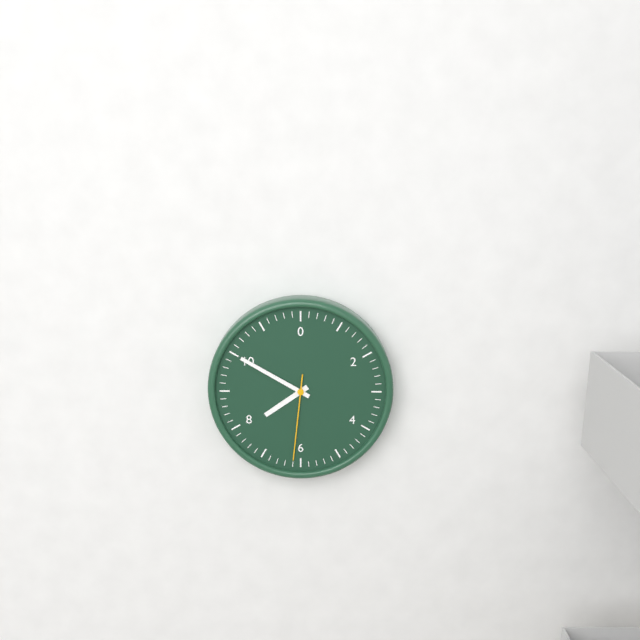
7:50:31
